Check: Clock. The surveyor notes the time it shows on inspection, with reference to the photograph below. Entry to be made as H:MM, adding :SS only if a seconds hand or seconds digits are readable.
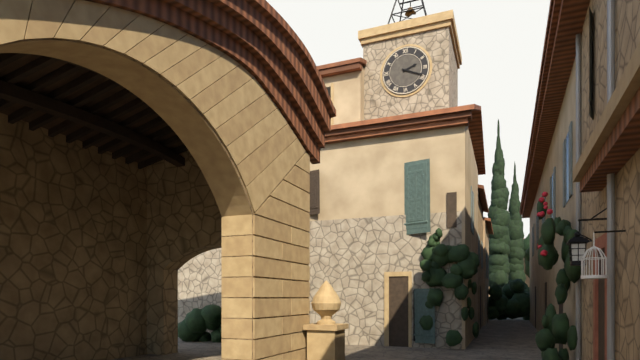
2:19
